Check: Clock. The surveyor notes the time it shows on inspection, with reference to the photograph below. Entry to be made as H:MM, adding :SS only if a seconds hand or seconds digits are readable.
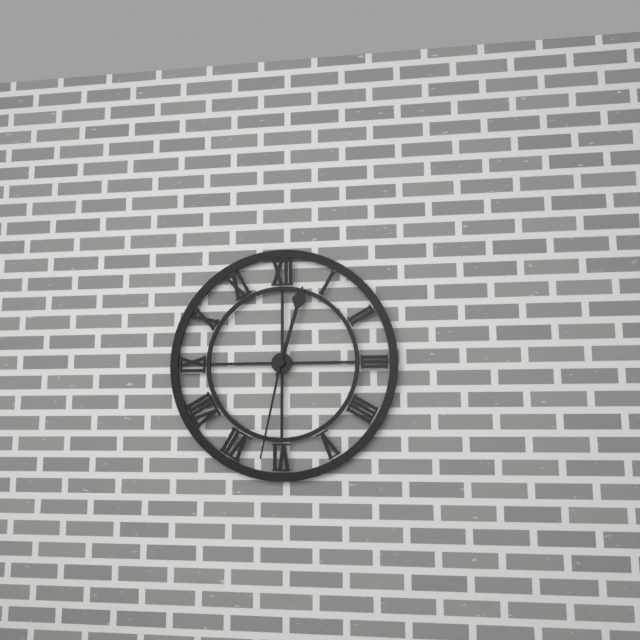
12:32
